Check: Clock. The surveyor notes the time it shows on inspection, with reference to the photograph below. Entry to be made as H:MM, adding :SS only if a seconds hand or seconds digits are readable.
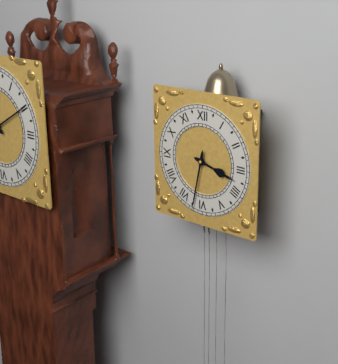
3:32
